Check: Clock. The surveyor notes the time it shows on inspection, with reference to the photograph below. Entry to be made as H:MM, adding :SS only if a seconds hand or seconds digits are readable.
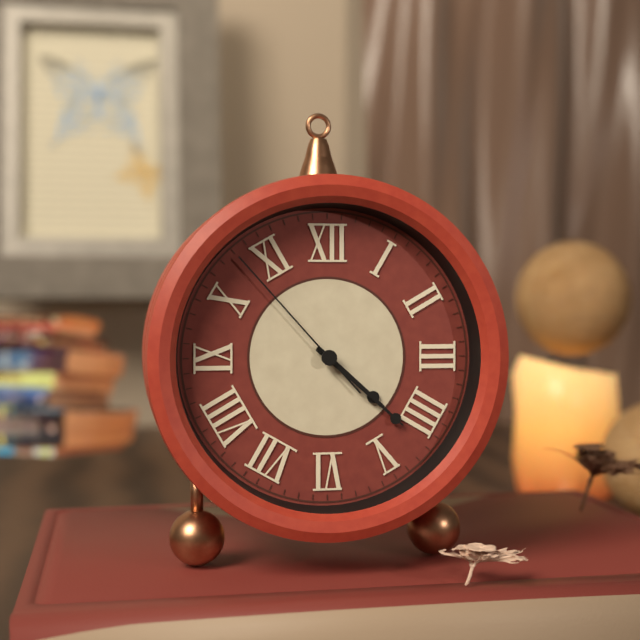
4:22:53
